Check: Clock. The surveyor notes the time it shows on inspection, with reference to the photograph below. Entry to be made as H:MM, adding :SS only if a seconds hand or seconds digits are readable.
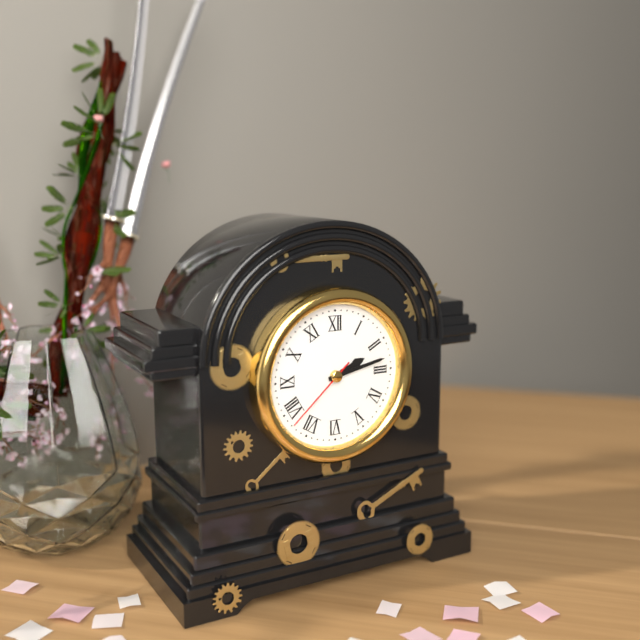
2:13:38
